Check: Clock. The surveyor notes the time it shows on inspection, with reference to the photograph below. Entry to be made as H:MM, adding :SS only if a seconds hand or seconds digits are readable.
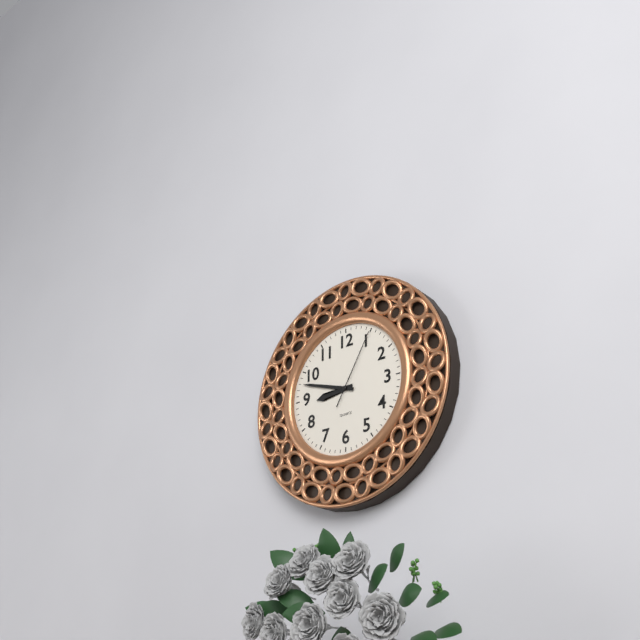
8:48:05
